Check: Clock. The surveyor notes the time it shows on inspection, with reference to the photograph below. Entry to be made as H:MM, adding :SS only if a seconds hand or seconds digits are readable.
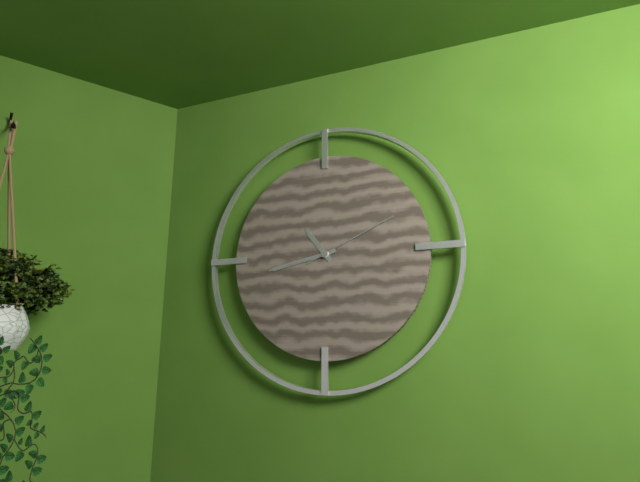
10:43:11
